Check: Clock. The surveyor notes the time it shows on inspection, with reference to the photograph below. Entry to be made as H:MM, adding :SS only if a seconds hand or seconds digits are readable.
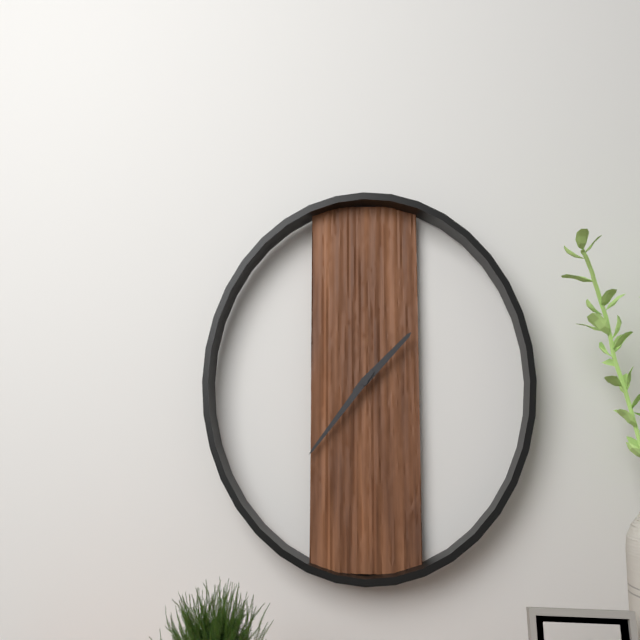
1:37
